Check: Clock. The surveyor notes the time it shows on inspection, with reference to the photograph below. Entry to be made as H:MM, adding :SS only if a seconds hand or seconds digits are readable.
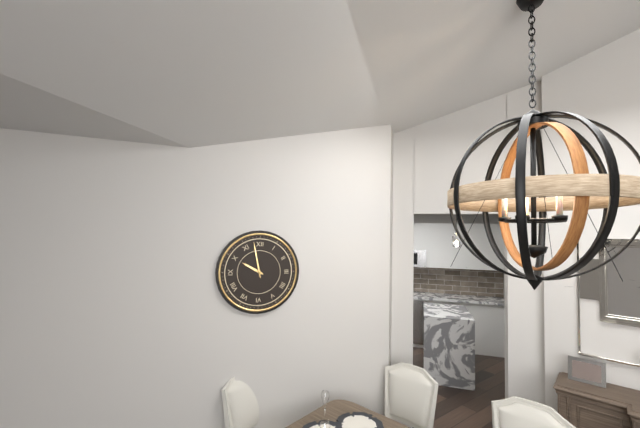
9:58
